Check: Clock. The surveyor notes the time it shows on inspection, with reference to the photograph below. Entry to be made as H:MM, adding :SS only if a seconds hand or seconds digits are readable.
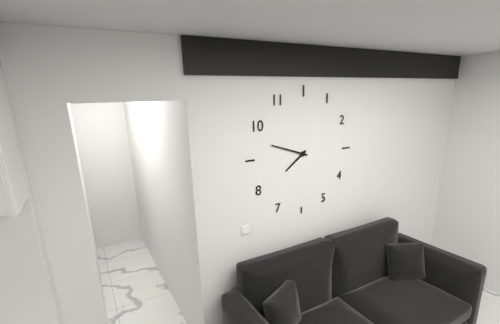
7:48
